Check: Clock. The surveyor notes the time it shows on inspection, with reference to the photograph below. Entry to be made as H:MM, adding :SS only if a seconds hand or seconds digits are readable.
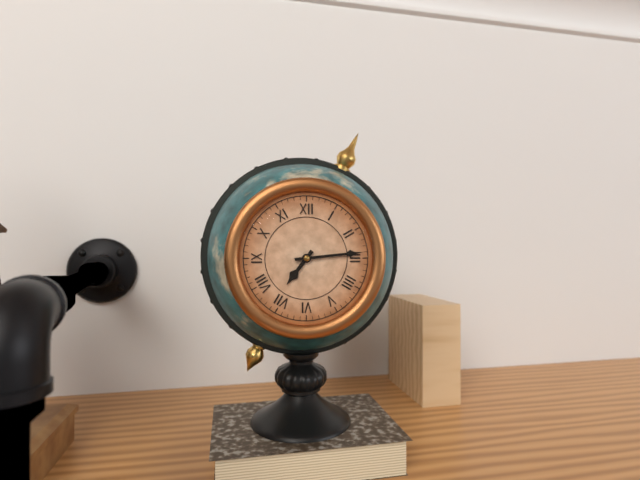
7:14
